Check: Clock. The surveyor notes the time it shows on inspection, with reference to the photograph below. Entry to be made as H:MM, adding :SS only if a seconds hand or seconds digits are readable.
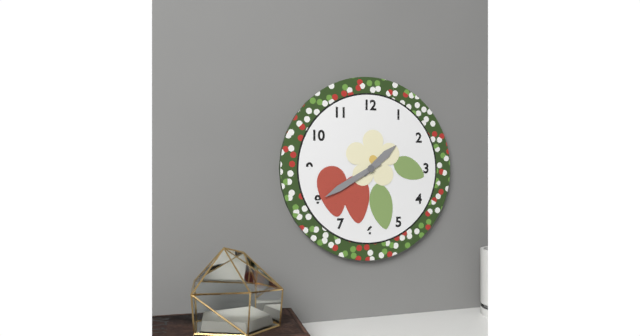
1:40
